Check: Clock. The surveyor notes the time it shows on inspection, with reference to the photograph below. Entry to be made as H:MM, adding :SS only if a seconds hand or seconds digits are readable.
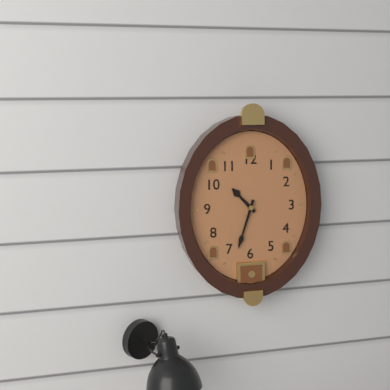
10:33
